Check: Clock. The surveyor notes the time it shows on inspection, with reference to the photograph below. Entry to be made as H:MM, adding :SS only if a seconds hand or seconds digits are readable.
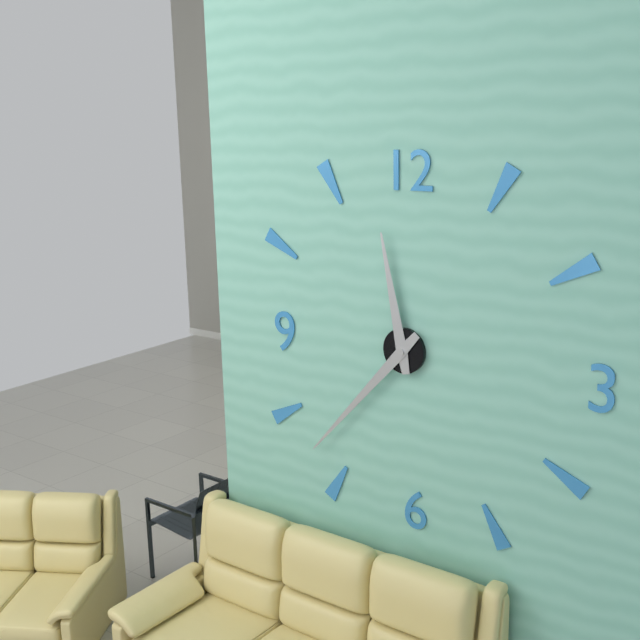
11:37
